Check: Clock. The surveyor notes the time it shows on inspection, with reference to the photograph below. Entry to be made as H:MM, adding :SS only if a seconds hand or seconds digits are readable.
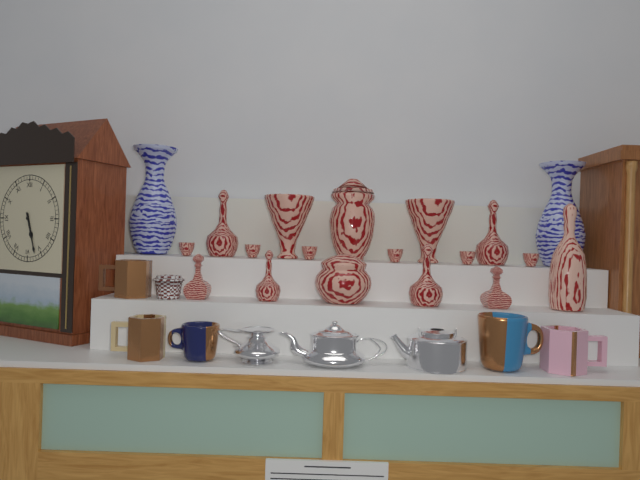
5:27
